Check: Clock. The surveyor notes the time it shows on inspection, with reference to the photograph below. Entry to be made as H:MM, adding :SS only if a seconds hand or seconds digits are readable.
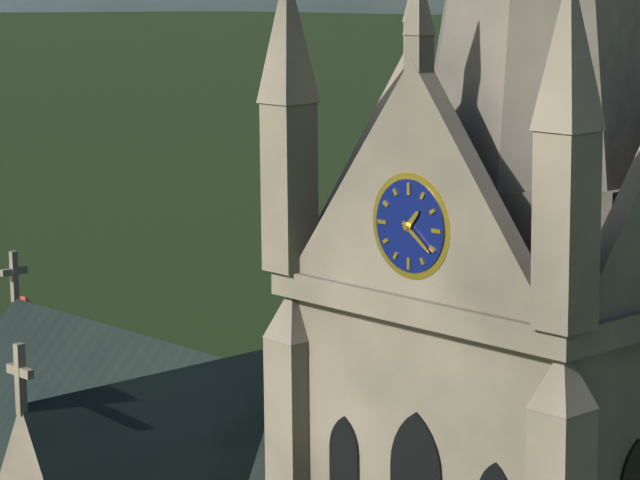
1:21
